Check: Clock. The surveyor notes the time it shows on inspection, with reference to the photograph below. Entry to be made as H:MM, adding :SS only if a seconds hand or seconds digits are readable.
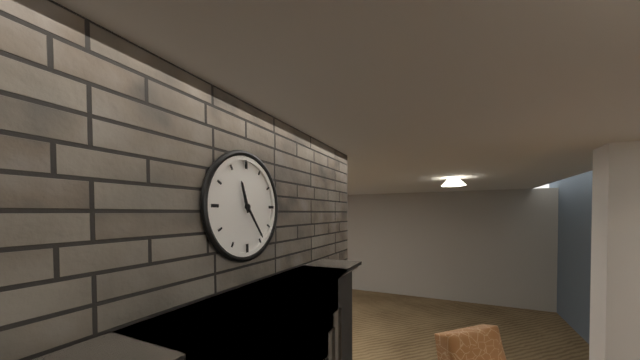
11:24
